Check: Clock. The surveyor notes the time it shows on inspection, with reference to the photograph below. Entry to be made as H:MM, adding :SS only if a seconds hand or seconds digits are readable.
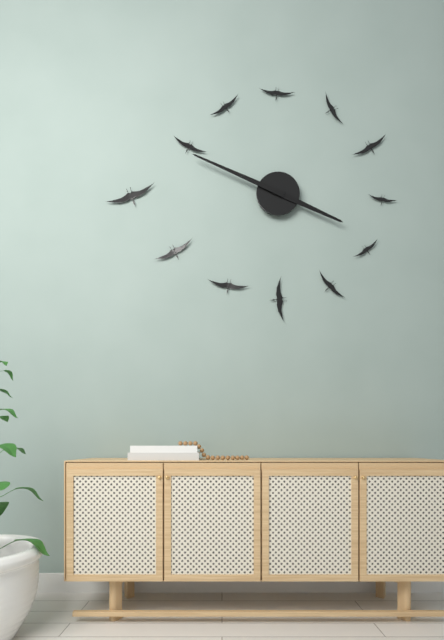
3:49
